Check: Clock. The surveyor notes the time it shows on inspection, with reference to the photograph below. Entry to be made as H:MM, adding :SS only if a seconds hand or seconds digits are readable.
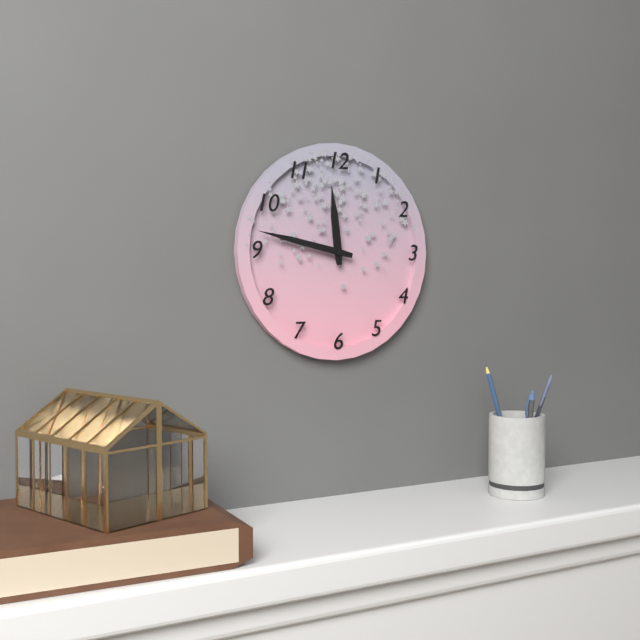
11:47
